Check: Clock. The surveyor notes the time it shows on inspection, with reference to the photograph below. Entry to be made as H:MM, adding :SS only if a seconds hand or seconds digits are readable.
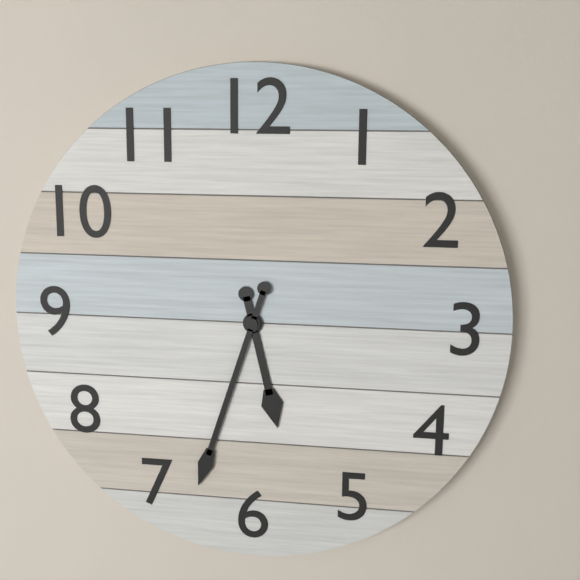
5:33
